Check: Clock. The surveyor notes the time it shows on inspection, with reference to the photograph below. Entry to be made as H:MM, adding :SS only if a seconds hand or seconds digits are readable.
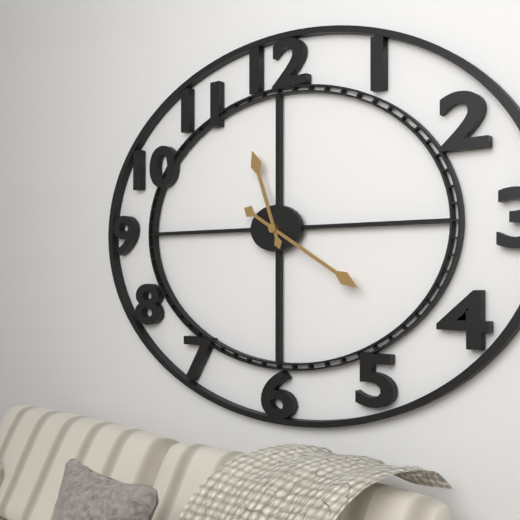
11:20
